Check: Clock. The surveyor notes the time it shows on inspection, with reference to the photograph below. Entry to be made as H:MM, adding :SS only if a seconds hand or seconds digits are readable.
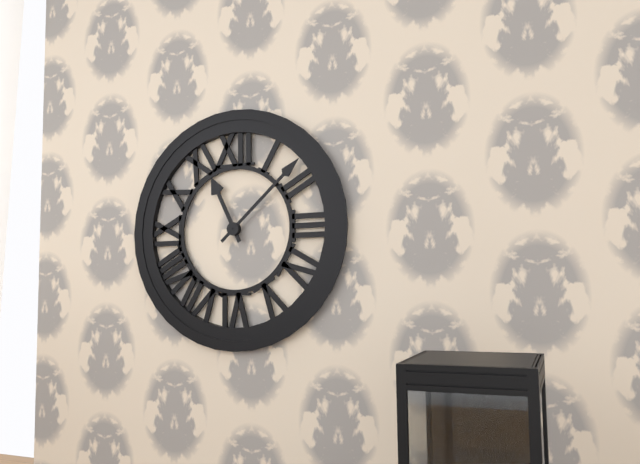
11:08
